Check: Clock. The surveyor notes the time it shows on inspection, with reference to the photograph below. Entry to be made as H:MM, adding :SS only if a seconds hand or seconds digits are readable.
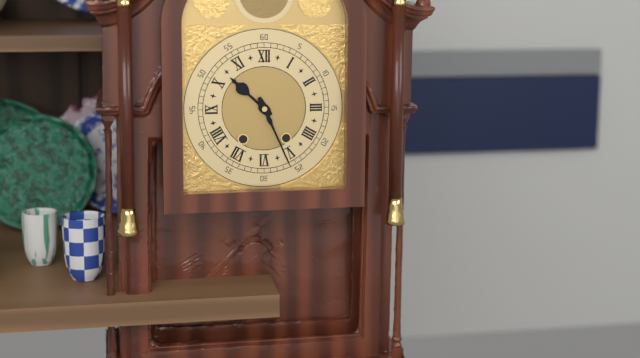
10:26
